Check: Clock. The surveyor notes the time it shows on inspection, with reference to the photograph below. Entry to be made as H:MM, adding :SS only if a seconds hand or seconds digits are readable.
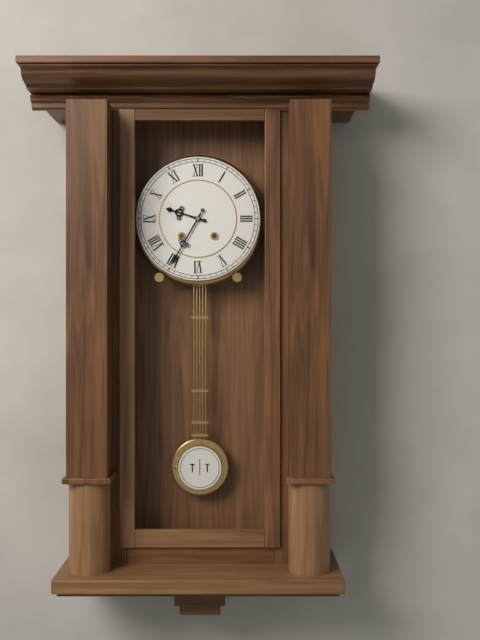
9:35
